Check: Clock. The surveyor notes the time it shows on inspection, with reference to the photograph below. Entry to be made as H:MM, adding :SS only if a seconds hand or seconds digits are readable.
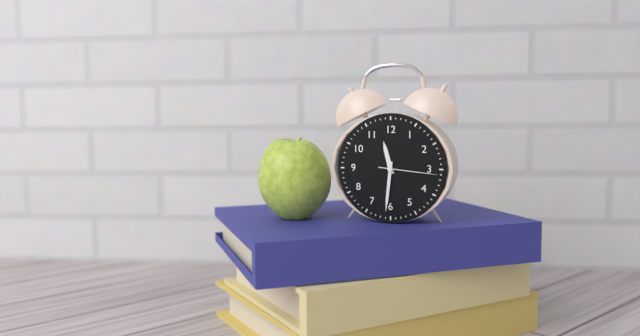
11:31:16
